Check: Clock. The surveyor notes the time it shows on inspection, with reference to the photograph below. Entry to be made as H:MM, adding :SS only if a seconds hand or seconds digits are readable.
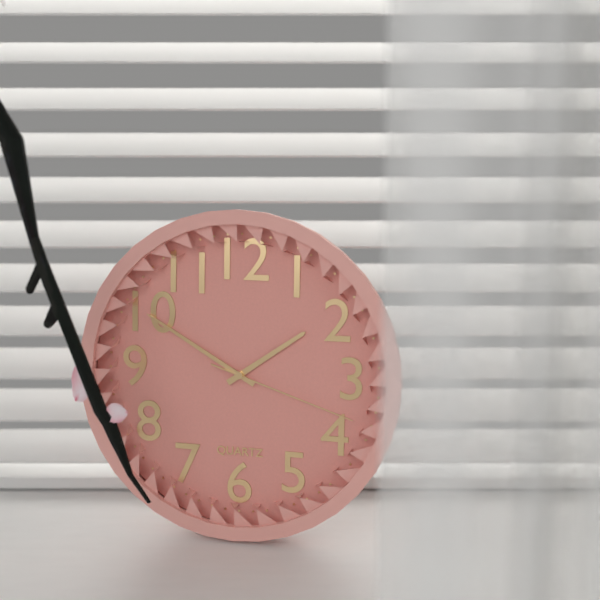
1:50:18
